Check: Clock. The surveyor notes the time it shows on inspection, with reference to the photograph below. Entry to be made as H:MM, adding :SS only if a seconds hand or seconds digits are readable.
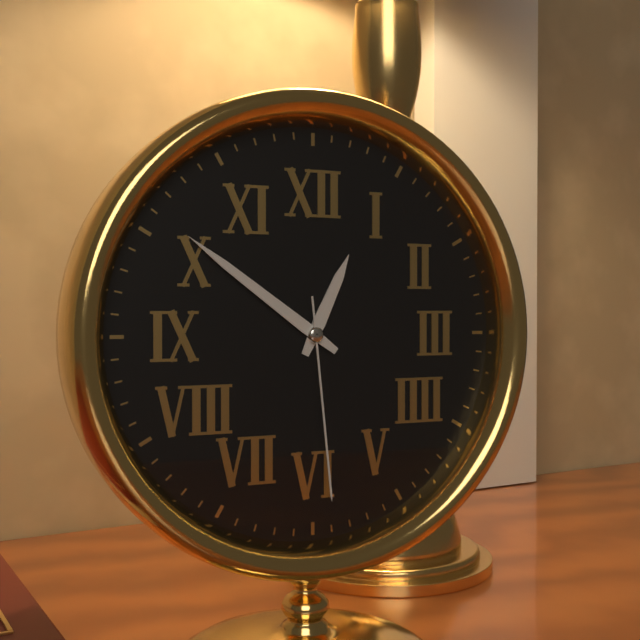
12:51:29
